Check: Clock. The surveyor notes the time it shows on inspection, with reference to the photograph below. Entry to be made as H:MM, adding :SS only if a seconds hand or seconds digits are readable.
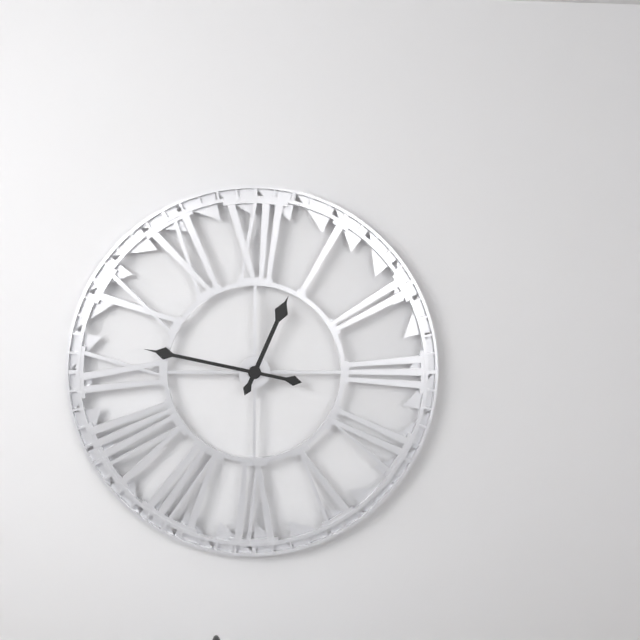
12:47
